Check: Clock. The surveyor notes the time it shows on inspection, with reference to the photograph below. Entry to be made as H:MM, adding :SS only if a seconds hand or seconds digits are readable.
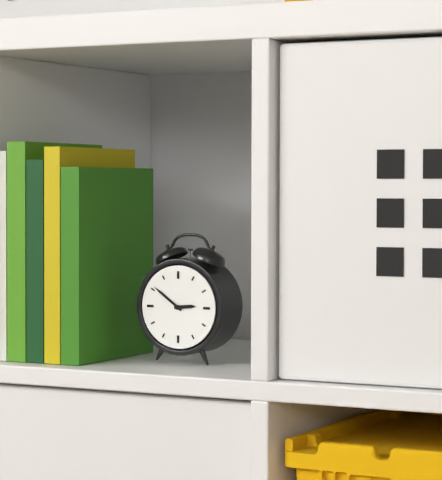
2:51
